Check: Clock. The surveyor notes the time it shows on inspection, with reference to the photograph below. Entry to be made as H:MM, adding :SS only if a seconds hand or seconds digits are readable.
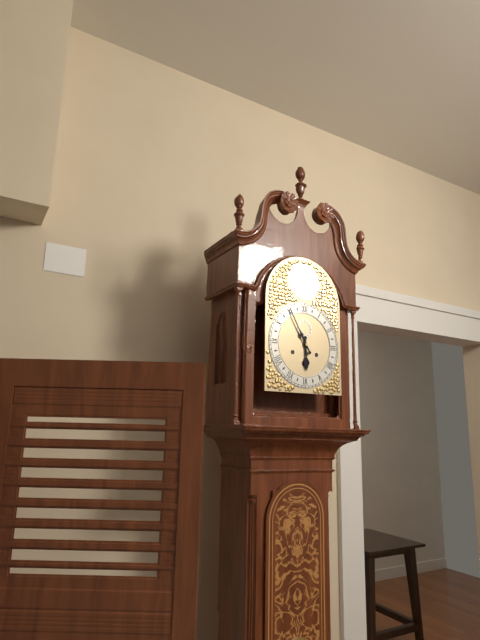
5:55
